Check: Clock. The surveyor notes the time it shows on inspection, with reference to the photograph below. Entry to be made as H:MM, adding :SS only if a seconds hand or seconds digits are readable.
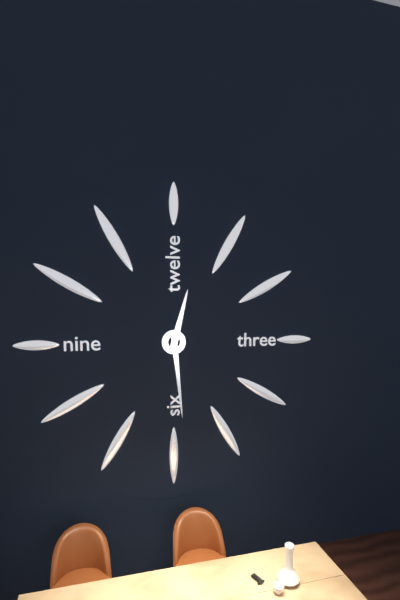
12:29
